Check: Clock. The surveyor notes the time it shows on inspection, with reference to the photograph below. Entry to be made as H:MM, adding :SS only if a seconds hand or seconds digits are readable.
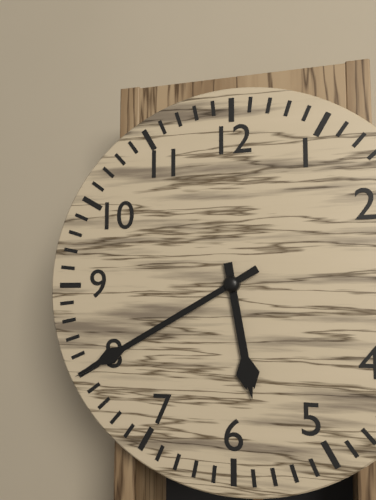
5:40
